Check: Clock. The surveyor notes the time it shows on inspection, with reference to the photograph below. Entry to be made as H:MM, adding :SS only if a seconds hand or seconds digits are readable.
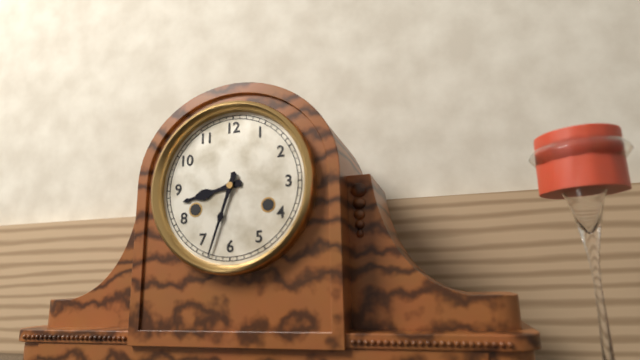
8:33
